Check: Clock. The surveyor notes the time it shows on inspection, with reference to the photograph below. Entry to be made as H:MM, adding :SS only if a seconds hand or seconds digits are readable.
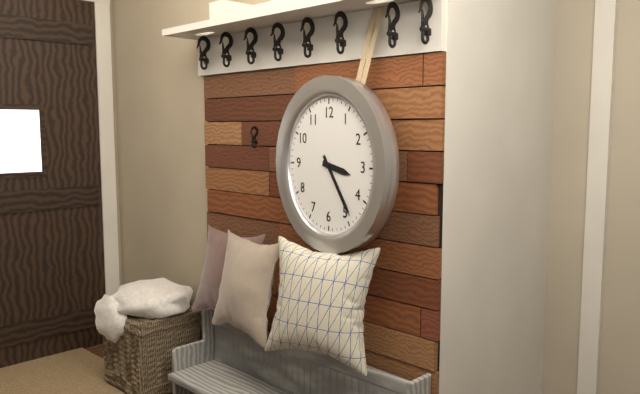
3:24
